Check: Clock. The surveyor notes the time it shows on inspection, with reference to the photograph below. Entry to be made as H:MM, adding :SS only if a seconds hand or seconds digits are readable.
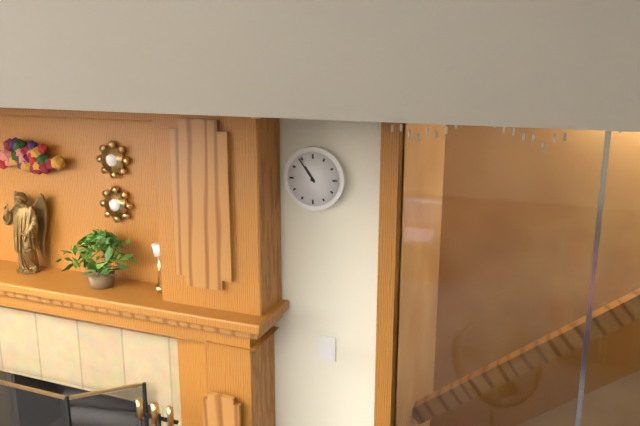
10:54
